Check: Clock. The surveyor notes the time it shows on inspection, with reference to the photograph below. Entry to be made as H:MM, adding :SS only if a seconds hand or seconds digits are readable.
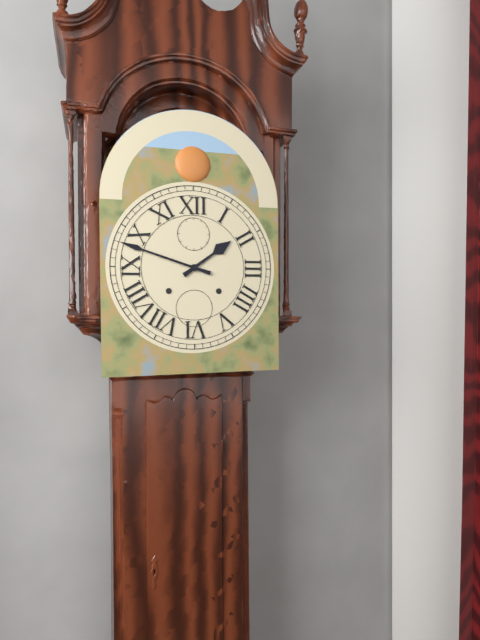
1:48
